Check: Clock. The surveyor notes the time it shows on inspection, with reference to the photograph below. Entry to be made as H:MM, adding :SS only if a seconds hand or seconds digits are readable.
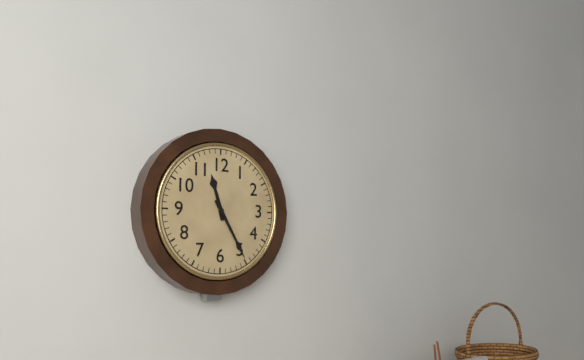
11:25
